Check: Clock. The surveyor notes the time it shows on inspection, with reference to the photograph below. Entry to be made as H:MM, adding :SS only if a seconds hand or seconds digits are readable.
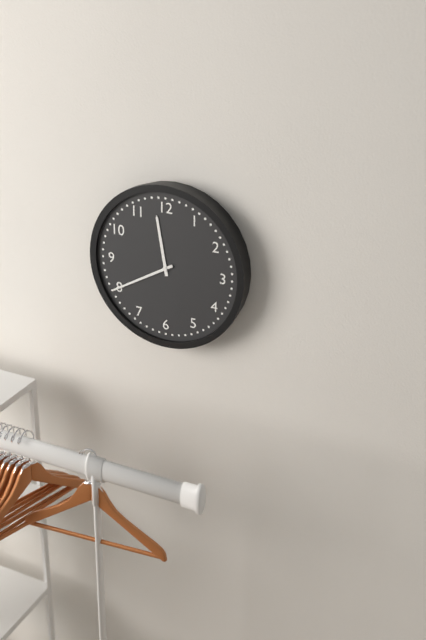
11:40
